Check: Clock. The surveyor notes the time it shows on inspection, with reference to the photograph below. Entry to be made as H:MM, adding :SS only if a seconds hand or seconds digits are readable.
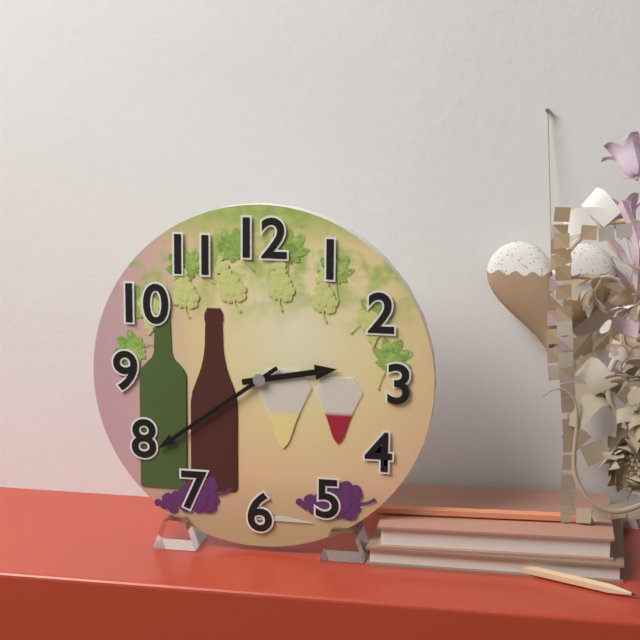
2:39
